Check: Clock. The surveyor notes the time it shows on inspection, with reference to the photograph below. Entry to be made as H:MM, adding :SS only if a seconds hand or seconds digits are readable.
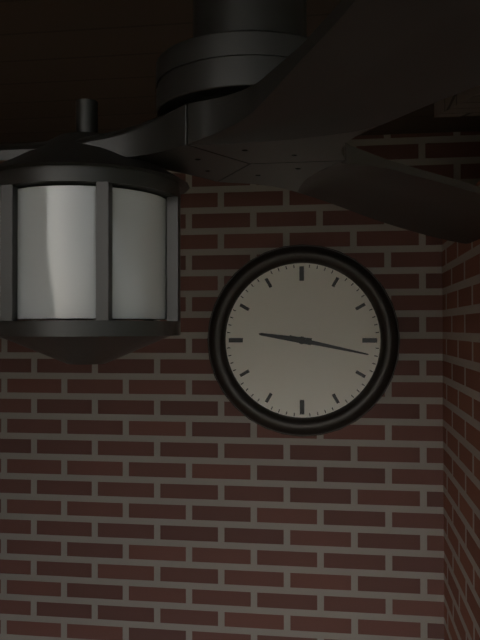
9:17
